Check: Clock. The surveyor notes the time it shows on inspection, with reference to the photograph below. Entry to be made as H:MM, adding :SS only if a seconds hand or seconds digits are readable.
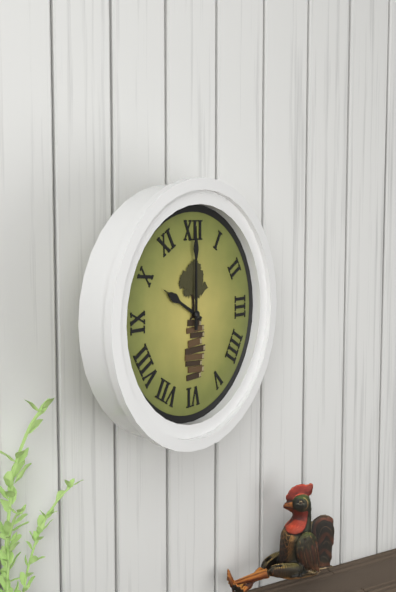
10:00
